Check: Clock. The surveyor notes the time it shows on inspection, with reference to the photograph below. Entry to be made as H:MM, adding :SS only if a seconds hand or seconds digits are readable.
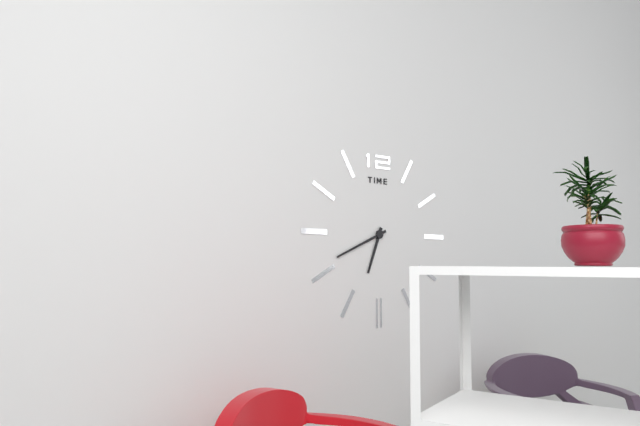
6:41
